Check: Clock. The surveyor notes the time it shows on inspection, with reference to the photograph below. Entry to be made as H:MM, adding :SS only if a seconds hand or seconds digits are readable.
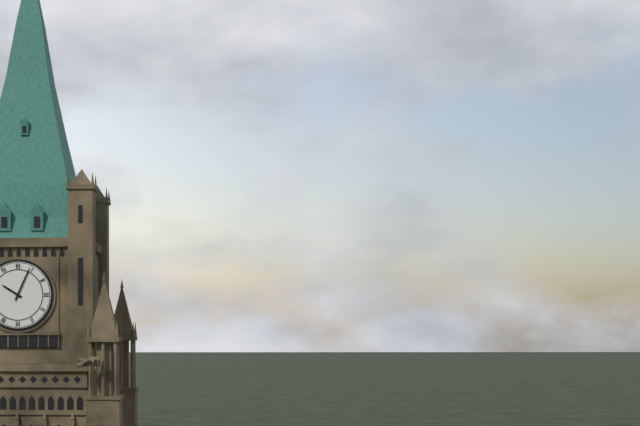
10:04
